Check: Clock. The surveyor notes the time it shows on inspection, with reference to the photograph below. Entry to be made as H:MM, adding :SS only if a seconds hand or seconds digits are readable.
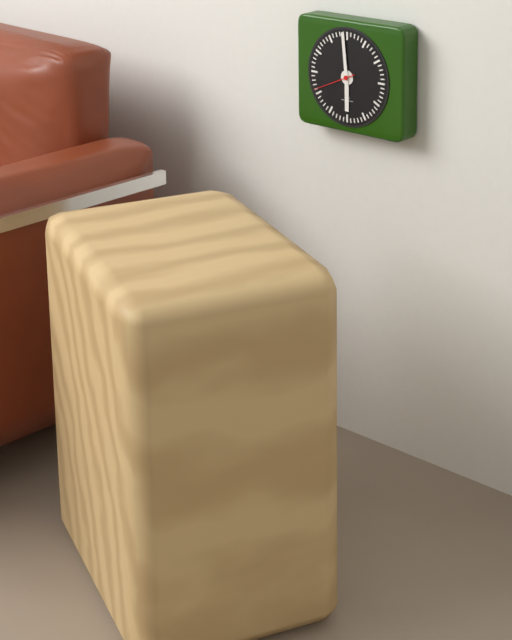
5:59
